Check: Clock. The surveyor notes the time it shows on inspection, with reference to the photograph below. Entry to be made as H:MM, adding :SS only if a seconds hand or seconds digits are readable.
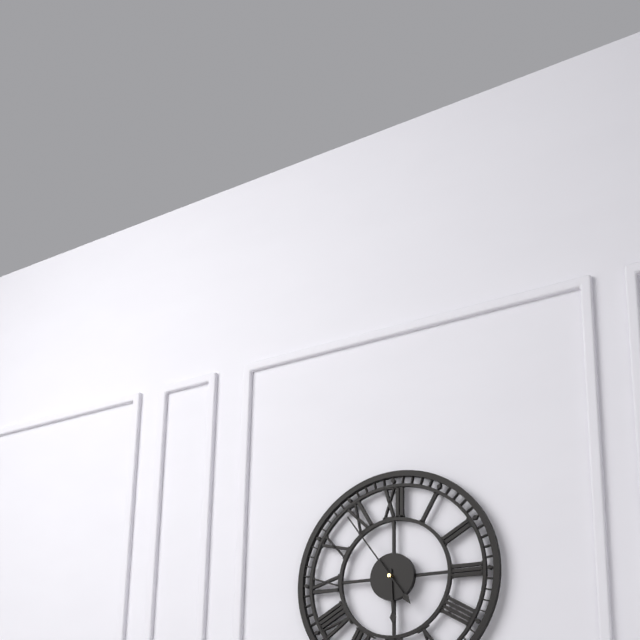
5:54
